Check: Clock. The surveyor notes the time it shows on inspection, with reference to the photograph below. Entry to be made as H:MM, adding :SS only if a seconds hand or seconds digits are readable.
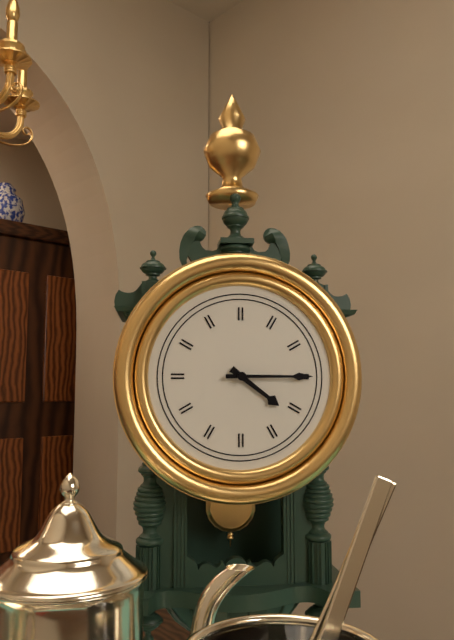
4:15
